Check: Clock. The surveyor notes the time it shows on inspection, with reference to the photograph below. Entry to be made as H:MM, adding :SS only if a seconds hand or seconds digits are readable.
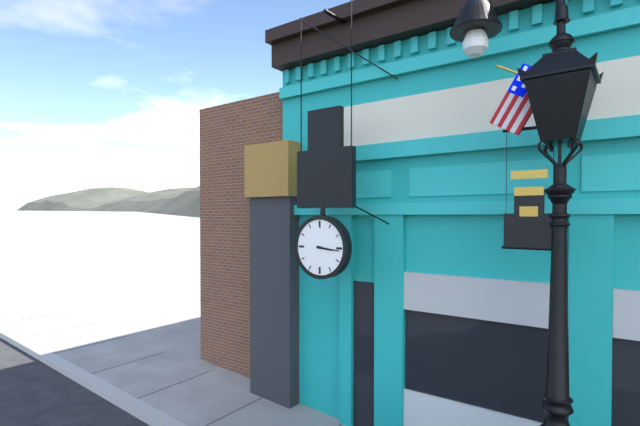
3:16
